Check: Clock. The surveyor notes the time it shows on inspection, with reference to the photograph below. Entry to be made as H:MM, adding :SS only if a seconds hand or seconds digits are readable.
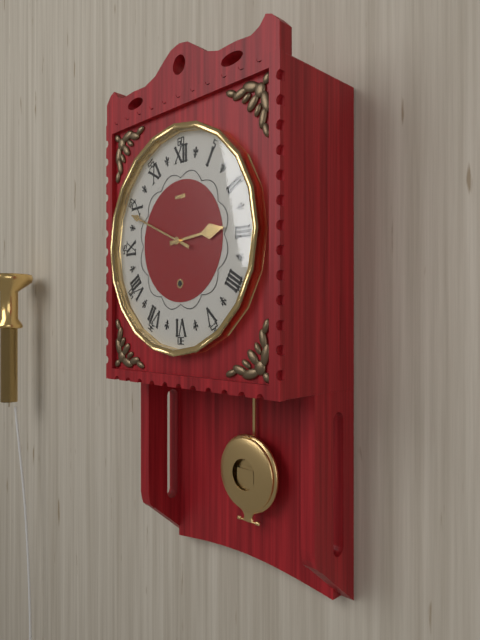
2:49
